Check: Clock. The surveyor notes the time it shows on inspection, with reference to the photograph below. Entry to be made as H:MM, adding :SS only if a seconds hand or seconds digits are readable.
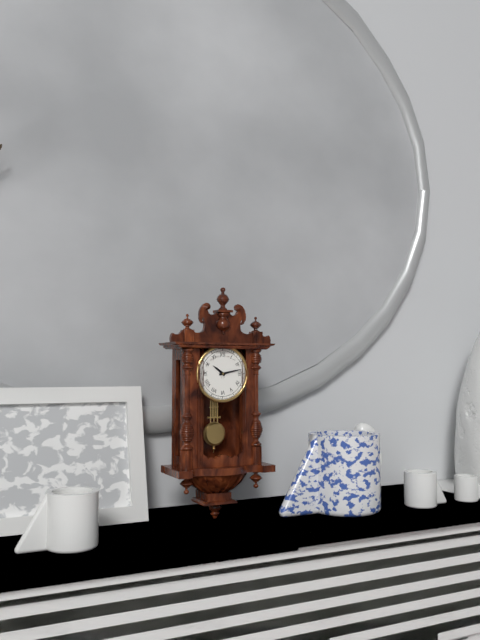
10:13
